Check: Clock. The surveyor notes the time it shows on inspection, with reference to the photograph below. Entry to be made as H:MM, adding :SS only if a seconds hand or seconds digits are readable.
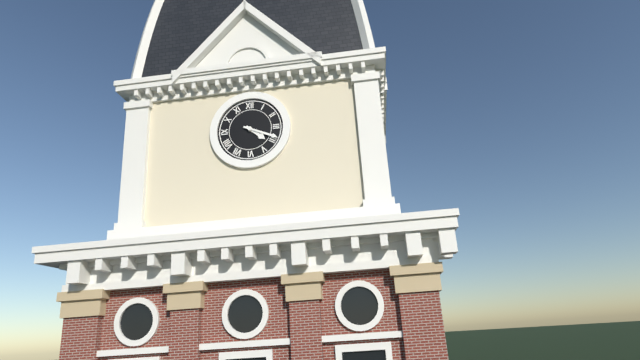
4:19
